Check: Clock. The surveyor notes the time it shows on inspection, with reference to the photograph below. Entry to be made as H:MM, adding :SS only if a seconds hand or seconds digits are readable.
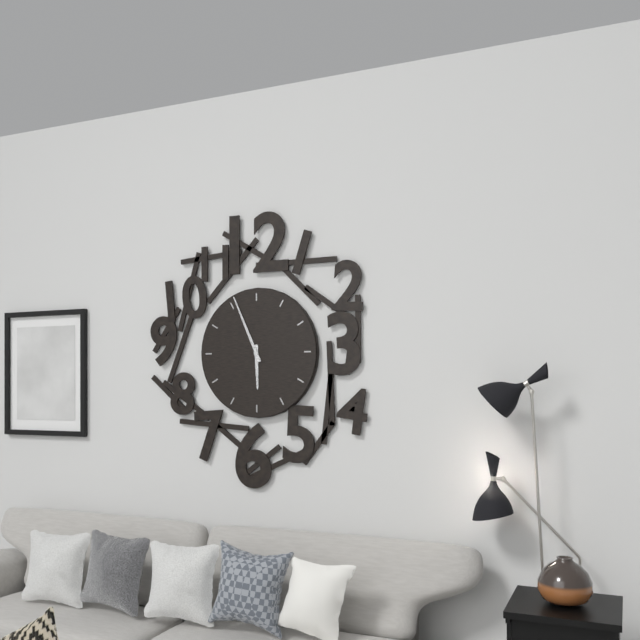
5:56
